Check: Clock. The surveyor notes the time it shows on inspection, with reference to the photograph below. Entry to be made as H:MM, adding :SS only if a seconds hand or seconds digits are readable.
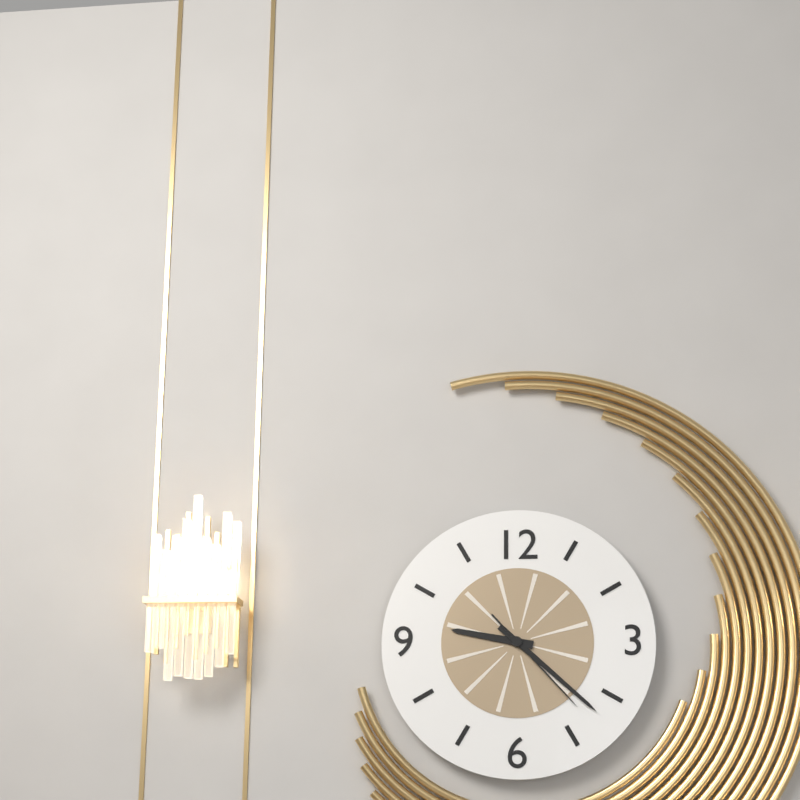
9:22:23
